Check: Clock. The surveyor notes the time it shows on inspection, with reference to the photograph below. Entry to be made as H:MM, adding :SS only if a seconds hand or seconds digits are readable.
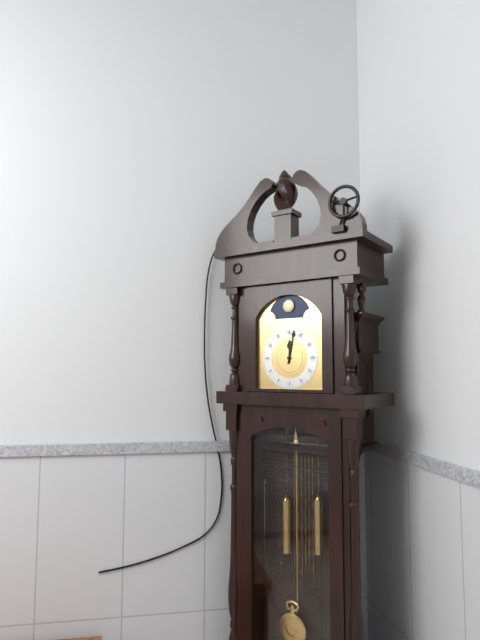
12:02
